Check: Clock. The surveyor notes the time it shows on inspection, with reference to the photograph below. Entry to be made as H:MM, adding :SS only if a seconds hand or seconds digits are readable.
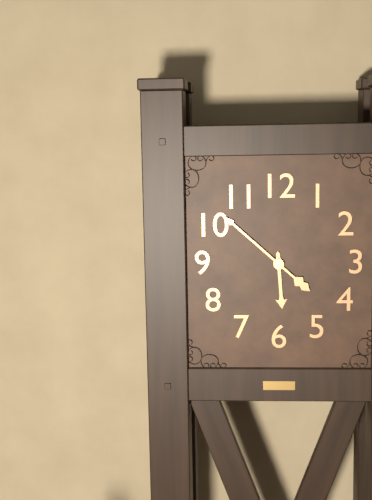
5:52
